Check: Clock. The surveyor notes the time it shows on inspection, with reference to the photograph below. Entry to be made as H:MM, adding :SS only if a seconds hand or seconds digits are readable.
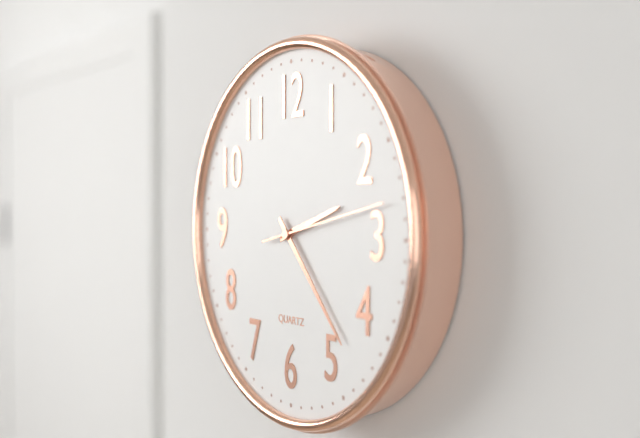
2:23:13
